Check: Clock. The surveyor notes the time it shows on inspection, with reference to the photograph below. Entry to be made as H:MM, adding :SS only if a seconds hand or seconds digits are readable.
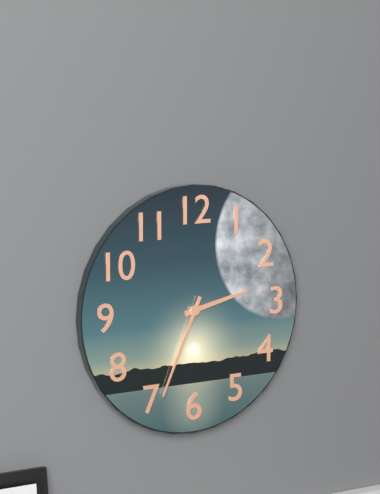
2:34
